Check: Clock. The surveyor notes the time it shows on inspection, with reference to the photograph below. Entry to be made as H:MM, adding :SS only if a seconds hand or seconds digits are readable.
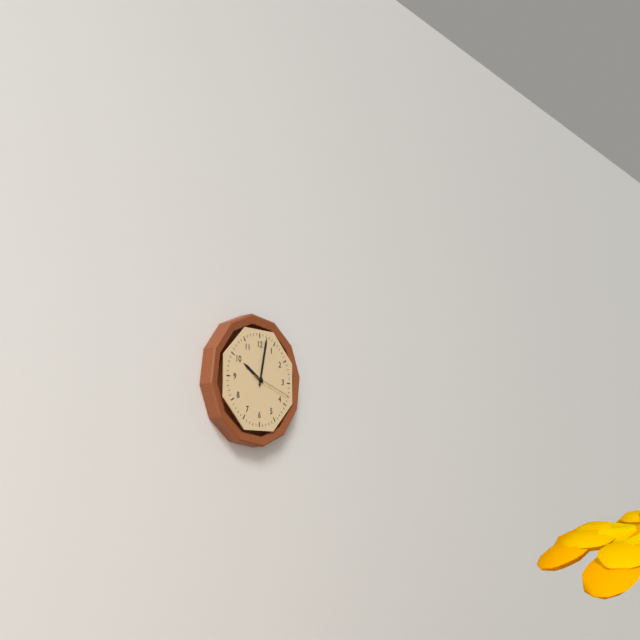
10:02
